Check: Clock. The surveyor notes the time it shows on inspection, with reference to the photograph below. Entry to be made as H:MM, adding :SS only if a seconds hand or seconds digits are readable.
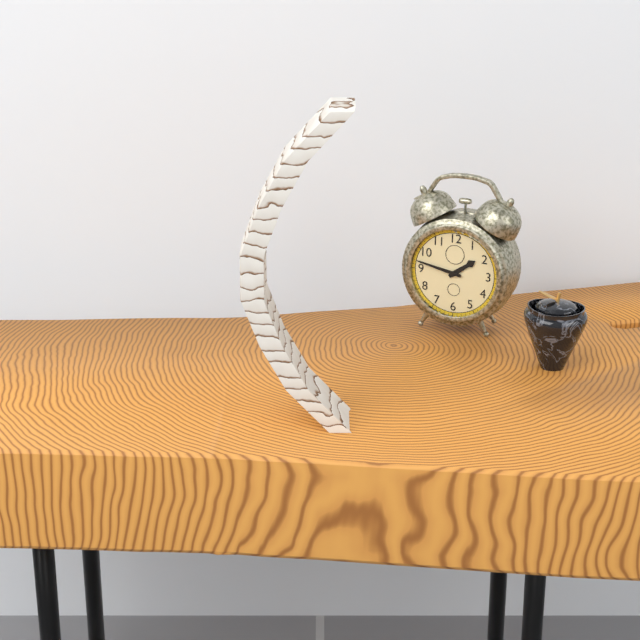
1:47
